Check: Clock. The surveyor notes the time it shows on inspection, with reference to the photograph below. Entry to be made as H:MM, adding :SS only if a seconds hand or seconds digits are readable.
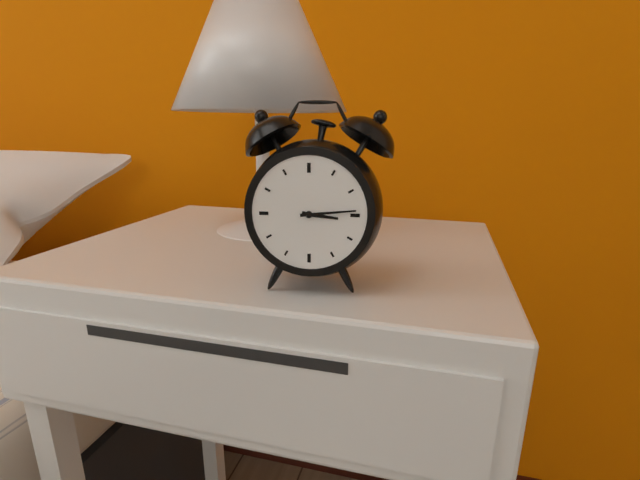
3:14
